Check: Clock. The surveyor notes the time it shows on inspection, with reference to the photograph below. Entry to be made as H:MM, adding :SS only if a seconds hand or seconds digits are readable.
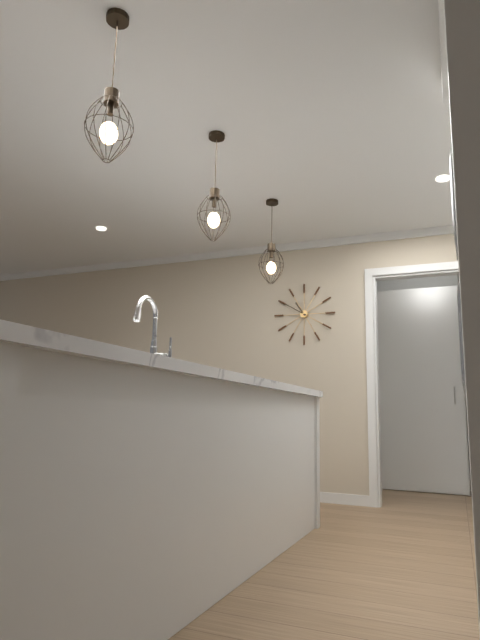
10:50
